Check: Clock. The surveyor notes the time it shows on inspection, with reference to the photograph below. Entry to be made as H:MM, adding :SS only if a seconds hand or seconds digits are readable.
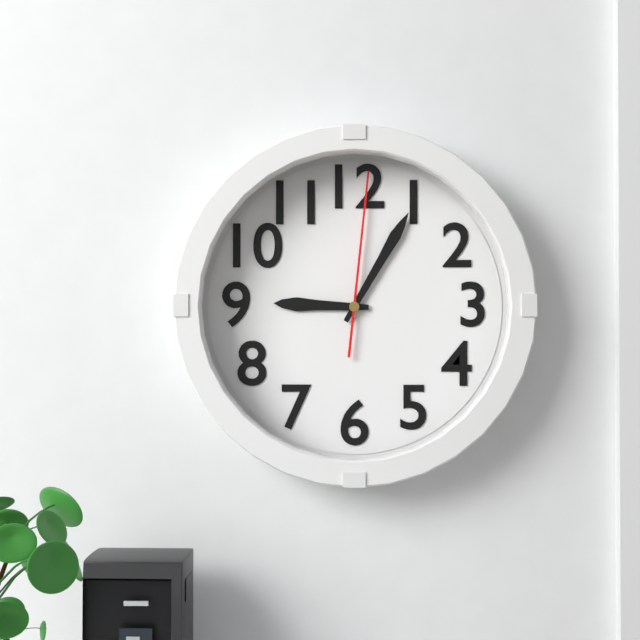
9:05:01
